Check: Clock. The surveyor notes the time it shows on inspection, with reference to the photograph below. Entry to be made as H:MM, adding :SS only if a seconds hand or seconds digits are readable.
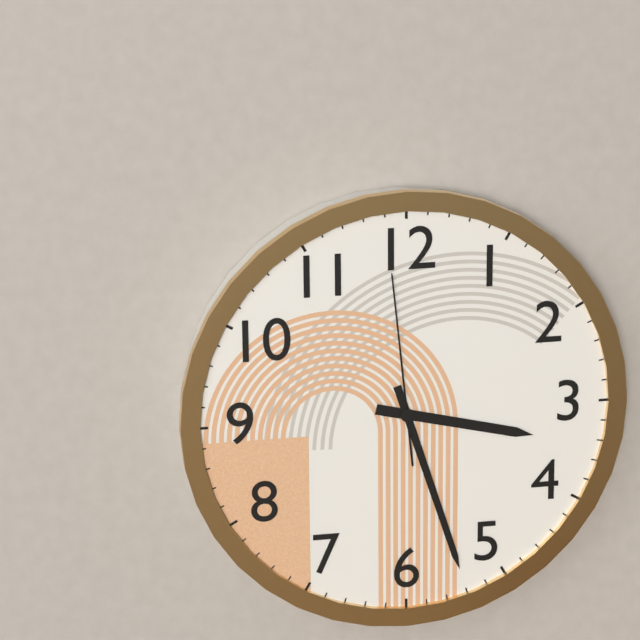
3:27:59
